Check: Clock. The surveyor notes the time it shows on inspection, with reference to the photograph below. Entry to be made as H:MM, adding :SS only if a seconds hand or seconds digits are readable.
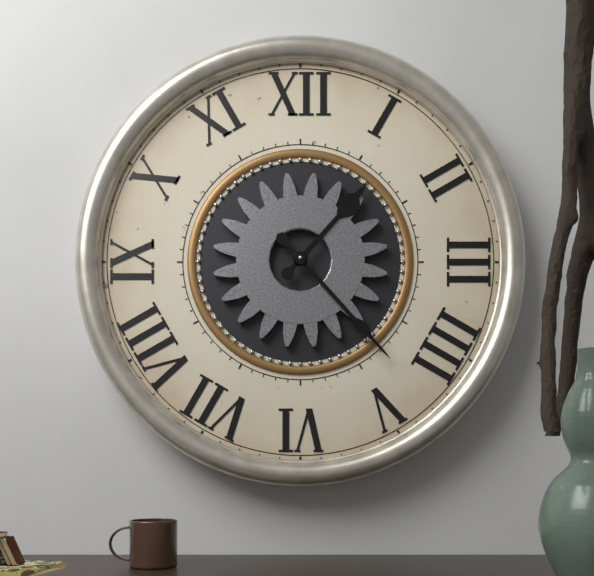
1:23
